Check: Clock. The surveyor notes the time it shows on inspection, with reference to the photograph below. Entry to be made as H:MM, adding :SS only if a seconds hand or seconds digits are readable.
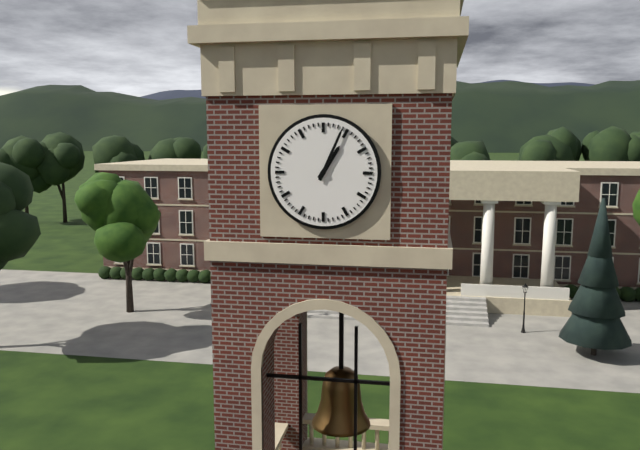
1:04
